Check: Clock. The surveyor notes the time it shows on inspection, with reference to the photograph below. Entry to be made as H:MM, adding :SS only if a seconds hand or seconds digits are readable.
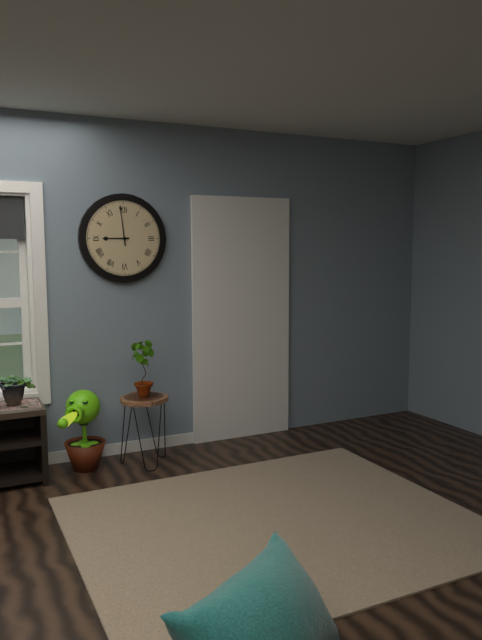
8:59
